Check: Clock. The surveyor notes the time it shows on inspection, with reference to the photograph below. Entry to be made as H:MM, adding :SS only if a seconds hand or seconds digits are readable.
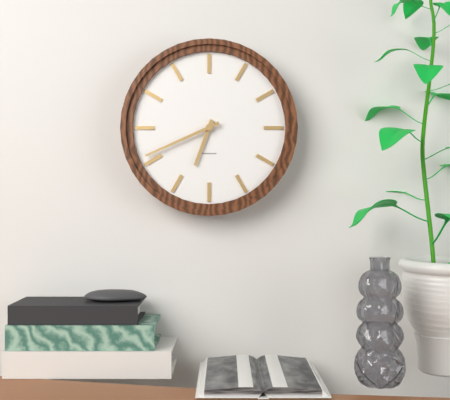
6:41
